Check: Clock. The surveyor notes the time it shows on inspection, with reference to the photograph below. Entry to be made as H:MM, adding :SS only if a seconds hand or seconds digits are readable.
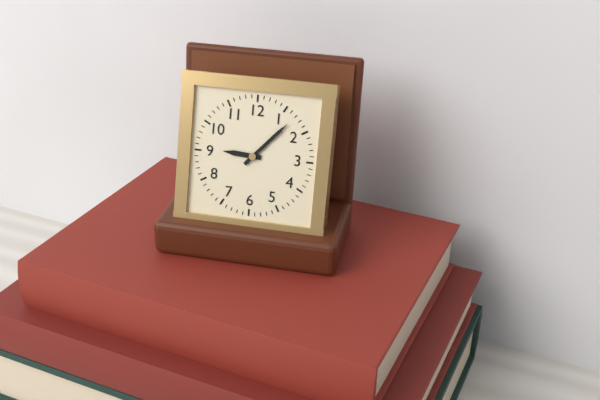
9:07
